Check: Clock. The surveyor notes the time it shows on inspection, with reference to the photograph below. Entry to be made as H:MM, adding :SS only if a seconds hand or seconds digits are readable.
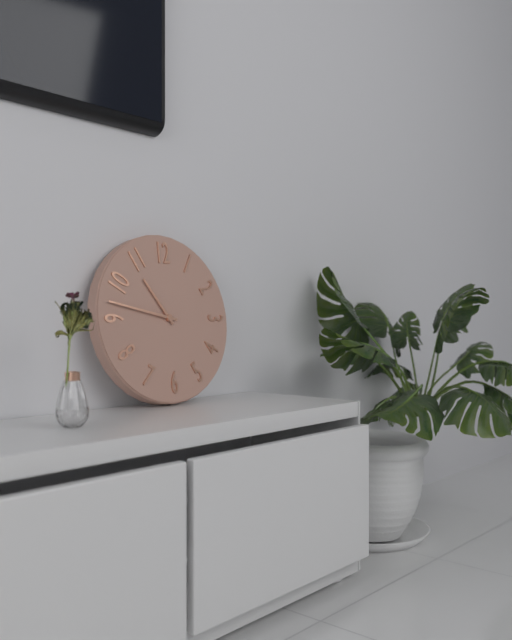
10:47
